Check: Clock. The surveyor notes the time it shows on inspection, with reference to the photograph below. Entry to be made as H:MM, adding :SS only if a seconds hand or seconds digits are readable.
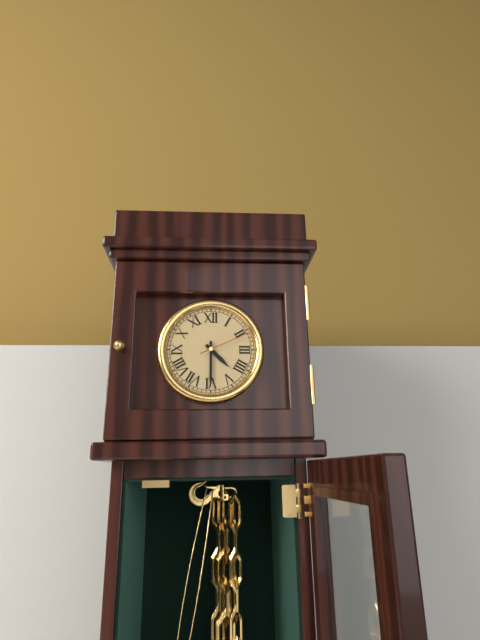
4:30:11
